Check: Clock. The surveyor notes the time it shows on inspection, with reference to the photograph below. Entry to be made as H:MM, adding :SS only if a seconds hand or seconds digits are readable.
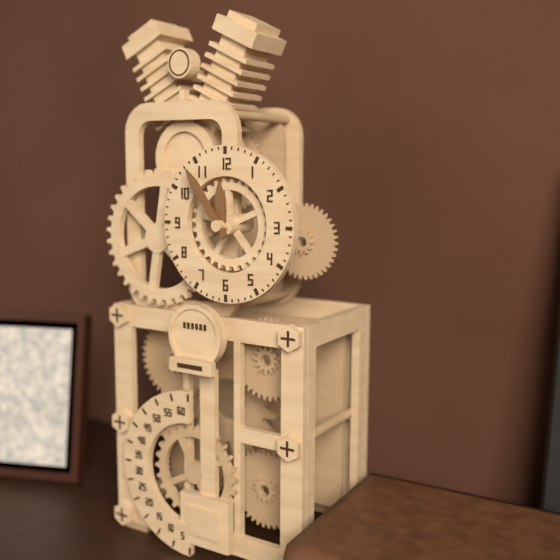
11:54
